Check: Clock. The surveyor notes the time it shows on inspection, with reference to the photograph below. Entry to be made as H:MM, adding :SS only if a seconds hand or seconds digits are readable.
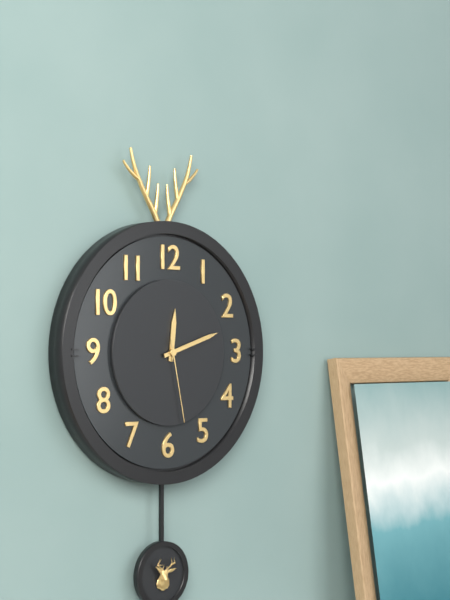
12:12:28
